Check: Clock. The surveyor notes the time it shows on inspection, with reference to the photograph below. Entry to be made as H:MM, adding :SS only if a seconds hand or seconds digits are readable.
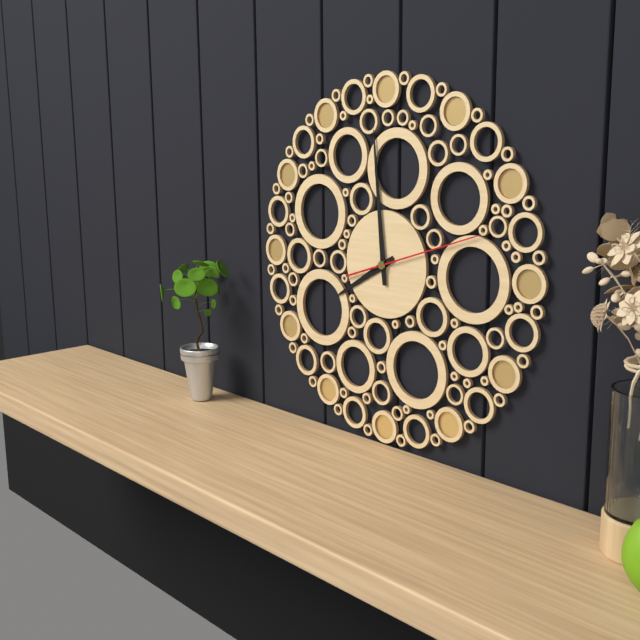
7:59:12
